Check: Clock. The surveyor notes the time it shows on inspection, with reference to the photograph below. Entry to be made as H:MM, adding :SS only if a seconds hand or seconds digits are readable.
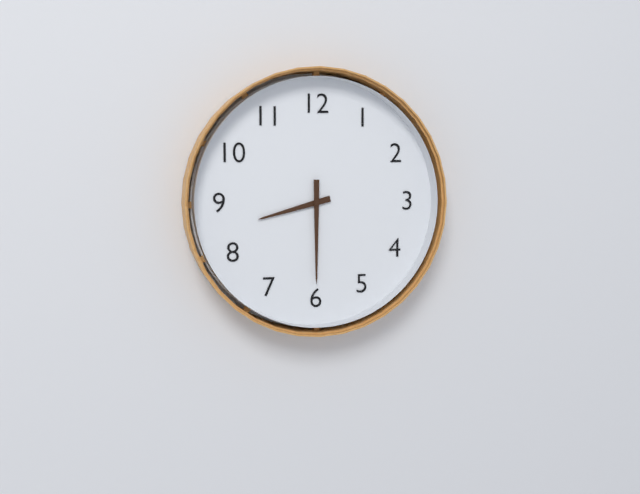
8:30
